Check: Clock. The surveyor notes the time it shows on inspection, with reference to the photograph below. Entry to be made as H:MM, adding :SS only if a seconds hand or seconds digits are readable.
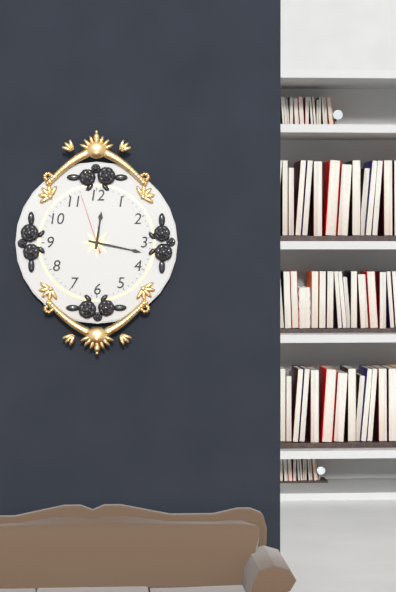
12:17:57
